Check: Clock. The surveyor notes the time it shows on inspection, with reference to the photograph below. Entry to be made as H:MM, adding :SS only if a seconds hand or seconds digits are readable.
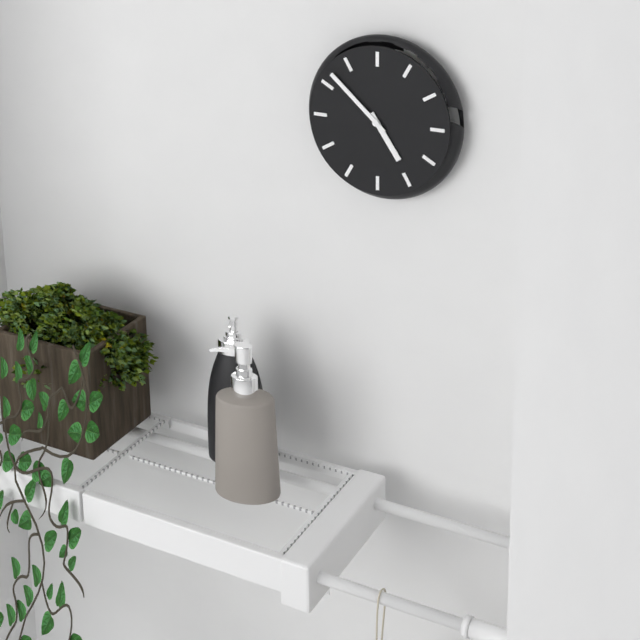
4:52
